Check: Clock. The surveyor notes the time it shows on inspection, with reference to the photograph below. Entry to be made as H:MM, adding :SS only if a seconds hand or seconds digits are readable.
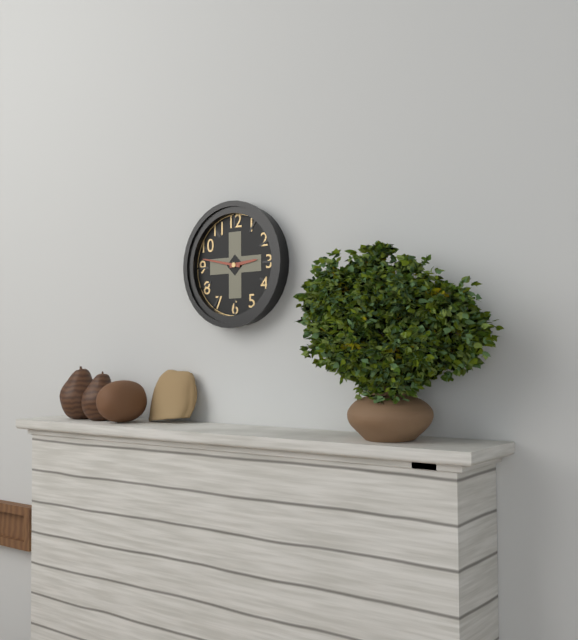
2:47
